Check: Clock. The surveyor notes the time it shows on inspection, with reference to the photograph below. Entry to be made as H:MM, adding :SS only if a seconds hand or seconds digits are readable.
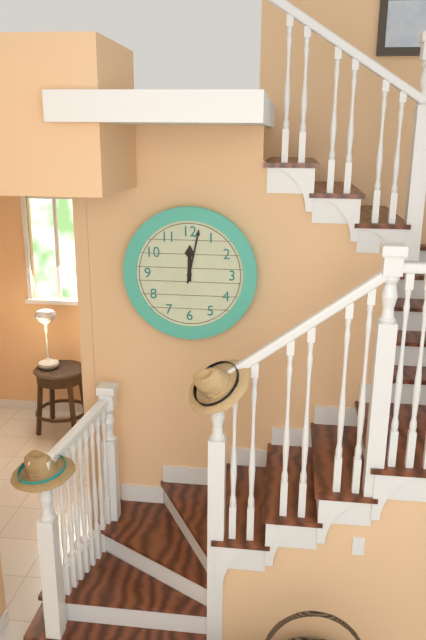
12:02
